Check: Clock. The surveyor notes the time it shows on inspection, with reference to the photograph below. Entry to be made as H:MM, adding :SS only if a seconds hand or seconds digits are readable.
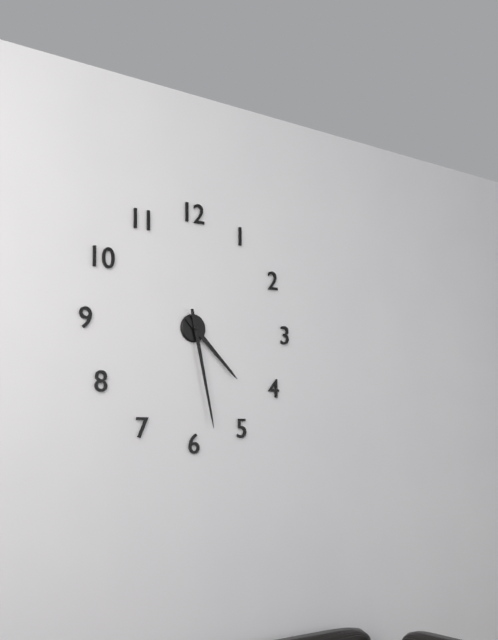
4:28
